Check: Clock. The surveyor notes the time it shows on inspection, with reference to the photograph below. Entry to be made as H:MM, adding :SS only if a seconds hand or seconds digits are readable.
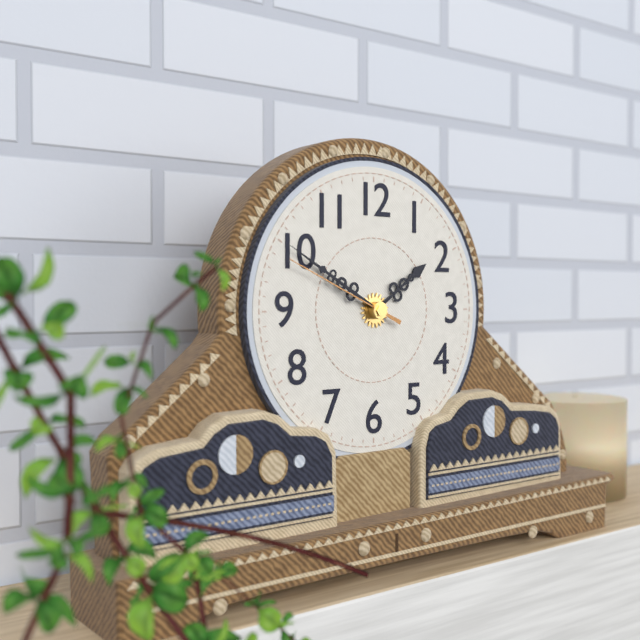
1:50:49
